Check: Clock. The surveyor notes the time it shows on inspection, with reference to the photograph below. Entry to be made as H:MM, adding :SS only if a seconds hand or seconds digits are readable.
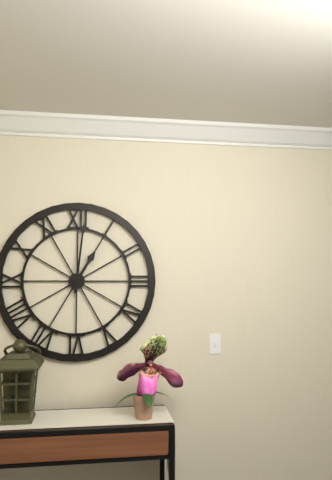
1:01
